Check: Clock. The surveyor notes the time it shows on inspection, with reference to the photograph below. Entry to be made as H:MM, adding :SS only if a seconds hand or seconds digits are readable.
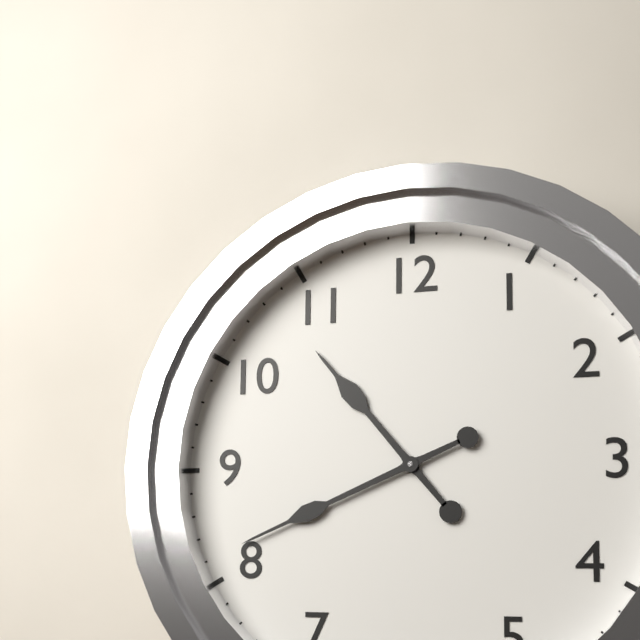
10:41
